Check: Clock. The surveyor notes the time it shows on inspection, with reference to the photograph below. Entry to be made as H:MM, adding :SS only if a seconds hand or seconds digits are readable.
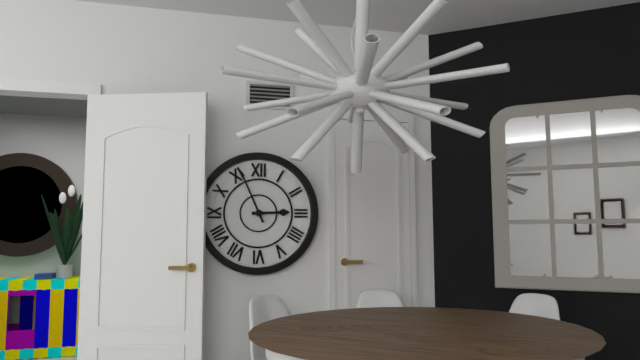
2:56
